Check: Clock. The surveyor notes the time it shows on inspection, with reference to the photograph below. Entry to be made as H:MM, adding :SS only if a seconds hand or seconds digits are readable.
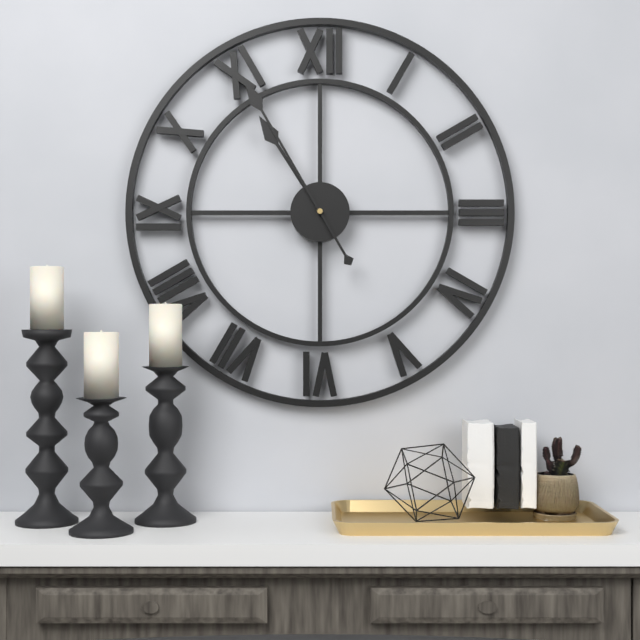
10:55
